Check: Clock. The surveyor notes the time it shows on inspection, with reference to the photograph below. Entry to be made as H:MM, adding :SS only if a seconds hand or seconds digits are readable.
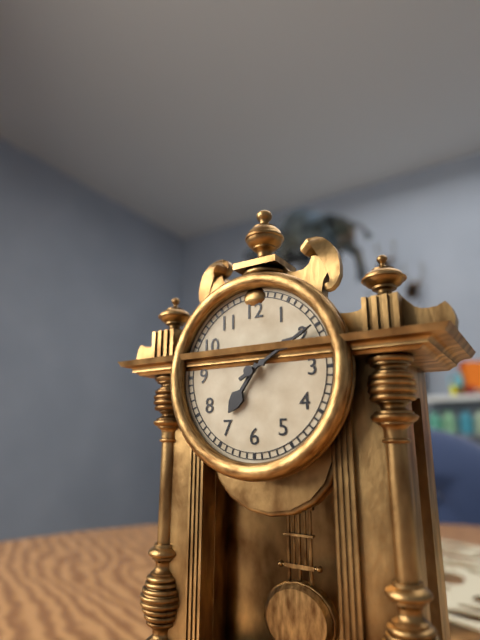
7:10
